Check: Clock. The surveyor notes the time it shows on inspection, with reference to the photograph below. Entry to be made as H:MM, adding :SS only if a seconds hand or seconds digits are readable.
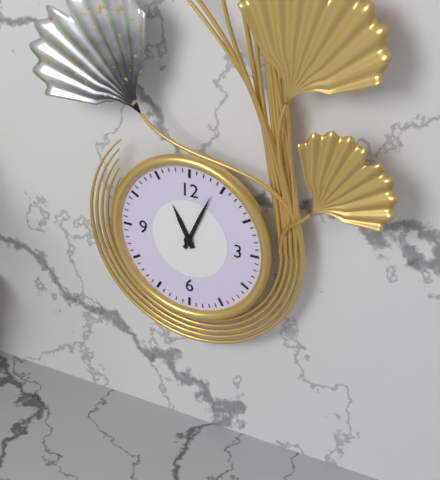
11:04
